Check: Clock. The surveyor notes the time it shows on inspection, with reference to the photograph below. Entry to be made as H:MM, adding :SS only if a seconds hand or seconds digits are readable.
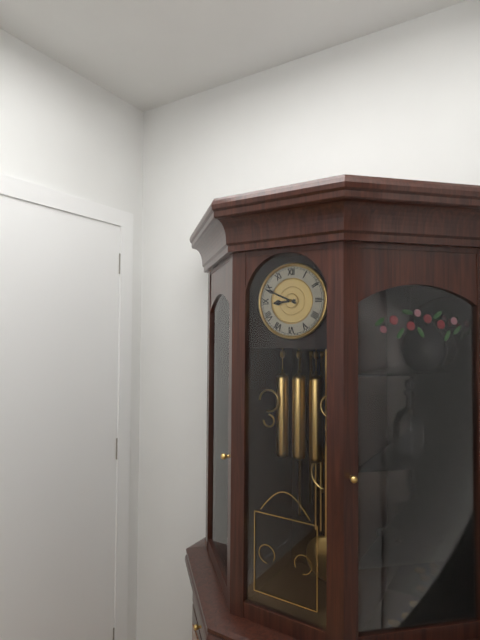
8:49
